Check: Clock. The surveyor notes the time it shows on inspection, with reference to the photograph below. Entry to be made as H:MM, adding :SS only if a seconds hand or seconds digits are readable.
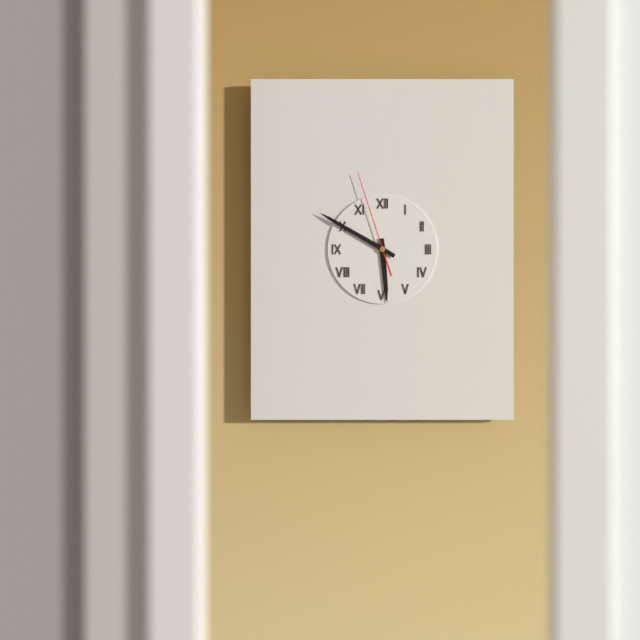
5:50:57
